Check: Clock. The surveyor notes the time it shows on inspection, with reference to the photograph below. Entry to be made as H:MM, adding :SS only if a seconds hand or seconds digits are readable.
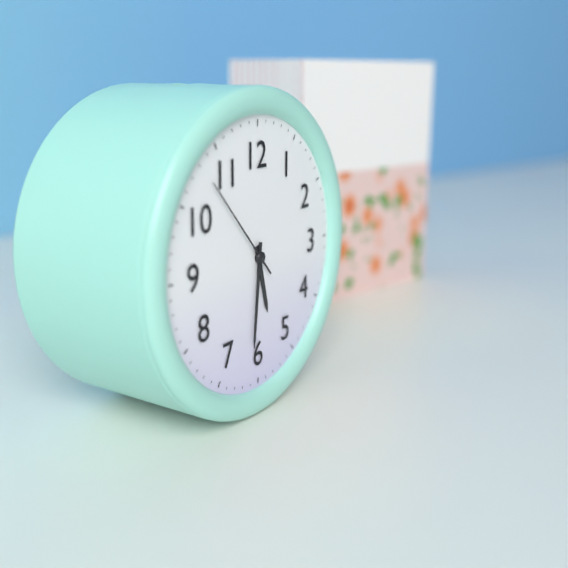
5:31:53
